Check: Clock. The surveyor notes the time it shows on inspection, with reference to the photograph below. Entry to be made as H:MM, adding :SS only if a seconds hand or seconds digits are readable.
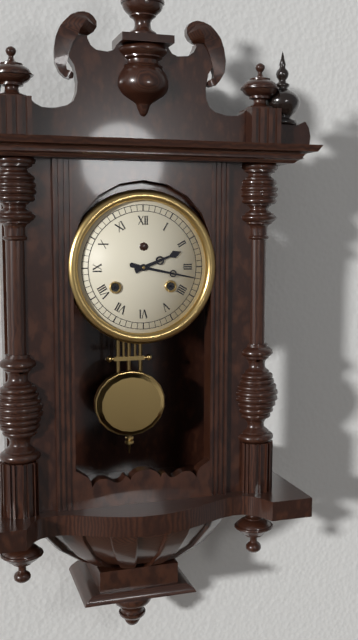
2:17
